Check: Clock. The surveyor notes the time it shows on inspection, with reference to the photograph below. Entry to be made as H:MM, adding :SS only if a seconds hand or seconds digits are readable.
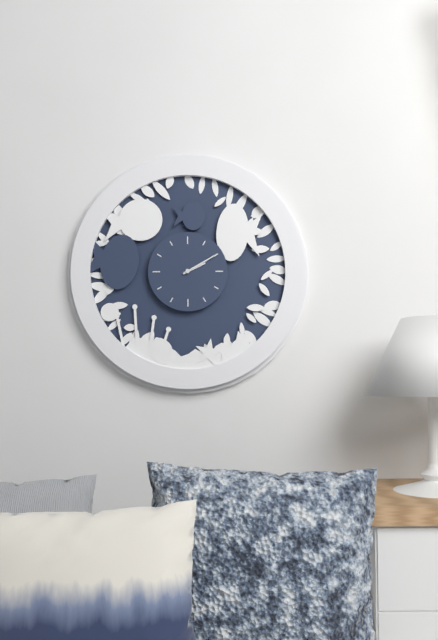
2:10
